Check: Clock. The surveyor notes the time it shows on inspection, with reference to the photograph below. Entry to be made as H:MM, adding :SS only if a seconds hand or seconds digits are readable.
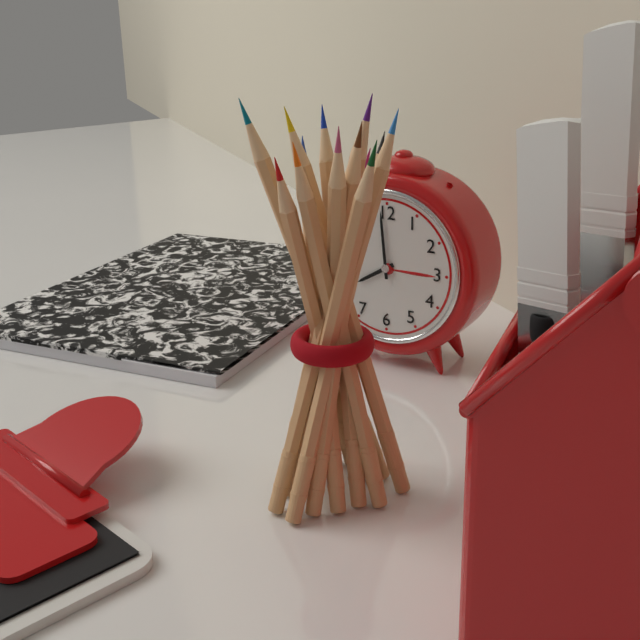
7:59
